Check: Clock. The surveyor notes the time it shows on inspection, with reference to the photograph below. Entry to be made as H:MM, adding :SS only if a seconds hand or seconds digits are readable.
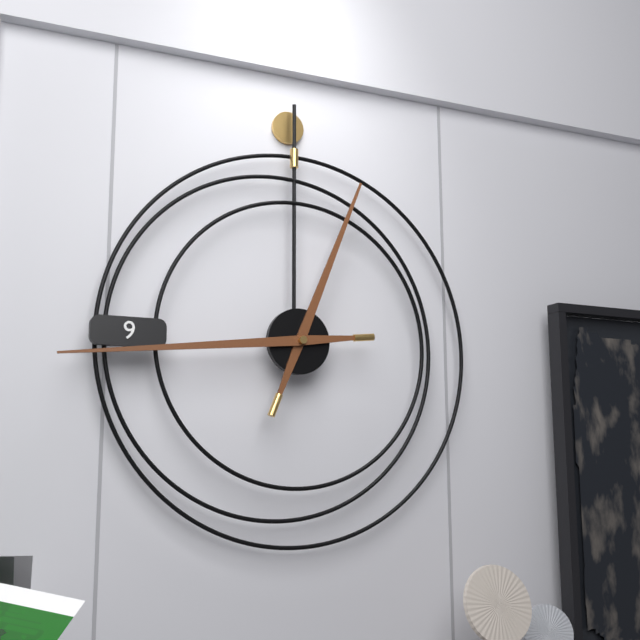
12:44
